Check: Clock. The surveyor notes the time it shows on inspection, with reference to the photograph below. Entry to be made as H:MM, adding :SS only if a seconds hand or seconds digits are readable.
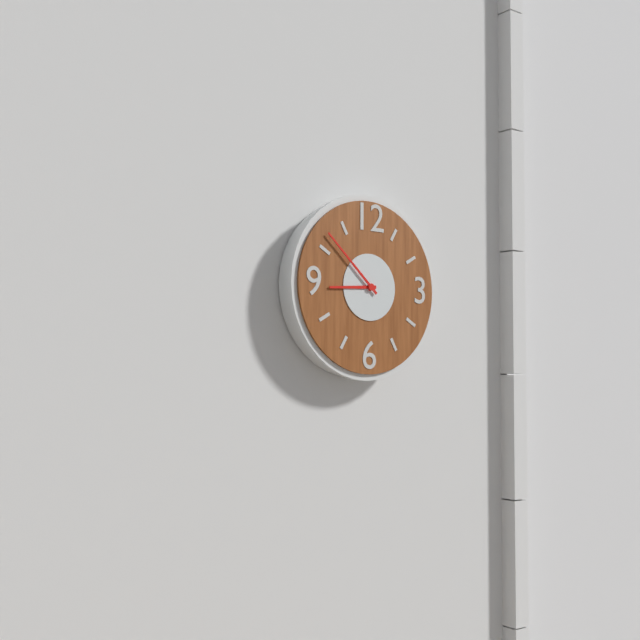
8:52
